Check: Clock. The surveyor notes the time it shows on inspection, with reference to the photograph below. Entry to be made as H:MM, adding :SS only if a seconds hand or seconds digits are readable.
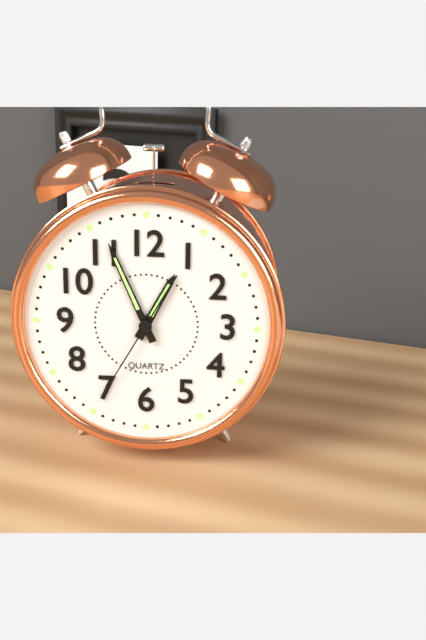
12:56:35
